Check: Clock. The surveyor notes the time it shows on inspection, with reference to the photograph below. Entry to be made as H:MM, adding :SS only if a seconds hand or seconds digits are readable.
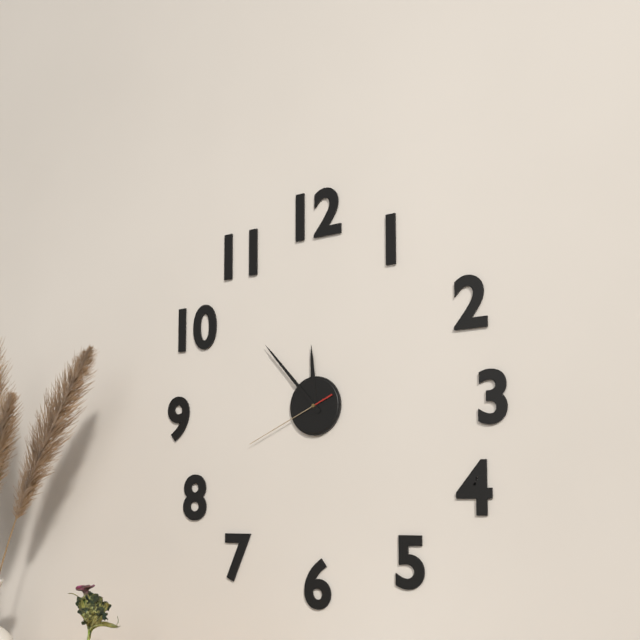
11:53:41
